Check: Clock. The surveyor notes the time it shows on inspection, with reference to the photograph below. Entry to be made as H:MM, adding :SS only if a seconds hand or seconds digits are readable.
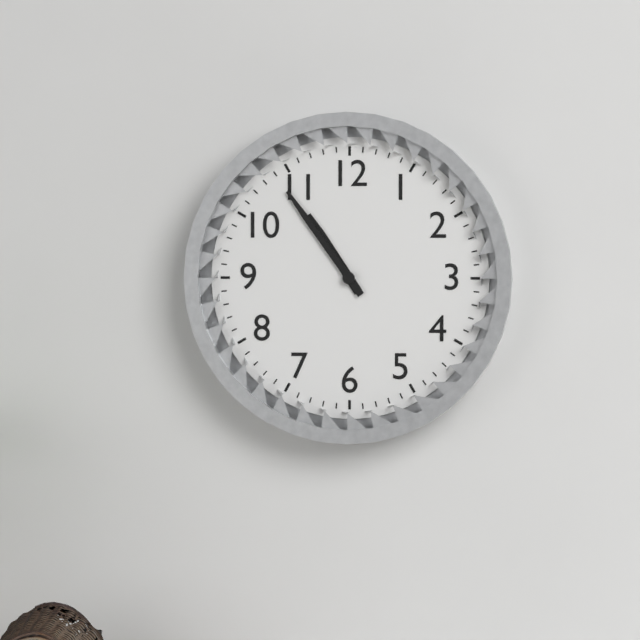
10:54
